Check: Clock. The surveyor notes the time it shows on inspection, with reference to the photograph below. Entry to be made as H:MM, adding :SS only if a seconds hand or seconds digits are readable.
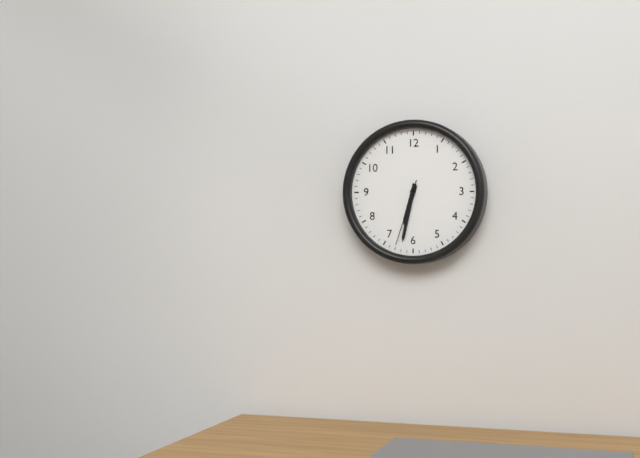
6:32:33
